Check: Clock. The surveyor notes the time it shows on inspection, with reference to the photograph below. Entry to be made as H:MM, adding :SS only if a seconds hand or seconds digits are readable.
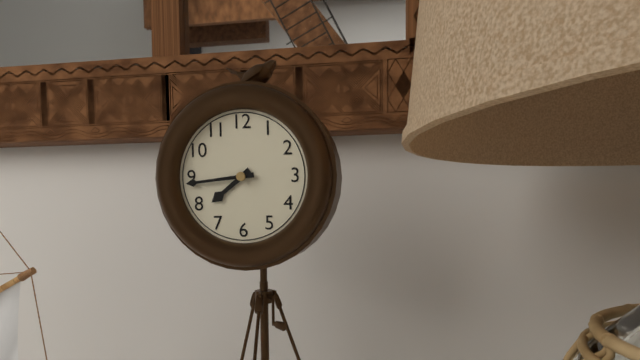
7:44
